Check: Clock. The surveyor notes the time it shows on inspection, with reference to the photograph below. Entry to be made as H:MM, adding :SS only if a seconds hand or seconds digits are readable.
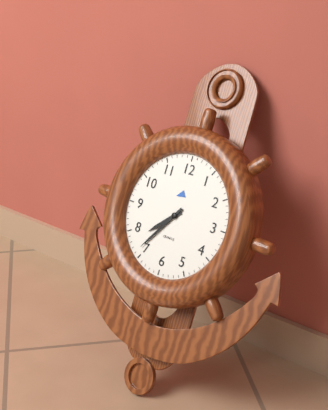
7:36
